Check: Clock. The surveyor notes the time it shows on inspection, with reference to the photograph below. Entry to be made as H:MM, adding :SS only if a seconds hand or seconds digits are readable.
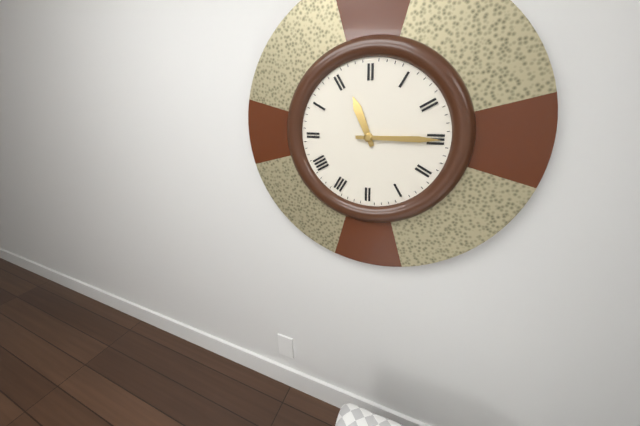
11:15
